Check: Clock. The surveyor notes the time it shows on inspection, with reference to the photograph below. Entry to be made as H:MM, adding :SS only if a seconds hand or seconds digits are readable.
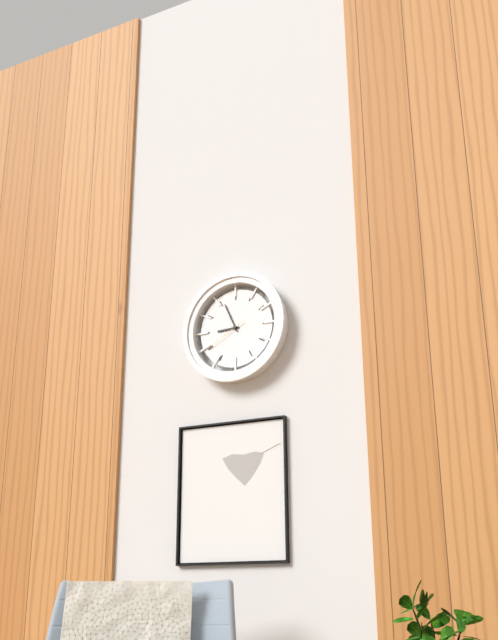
8:56
